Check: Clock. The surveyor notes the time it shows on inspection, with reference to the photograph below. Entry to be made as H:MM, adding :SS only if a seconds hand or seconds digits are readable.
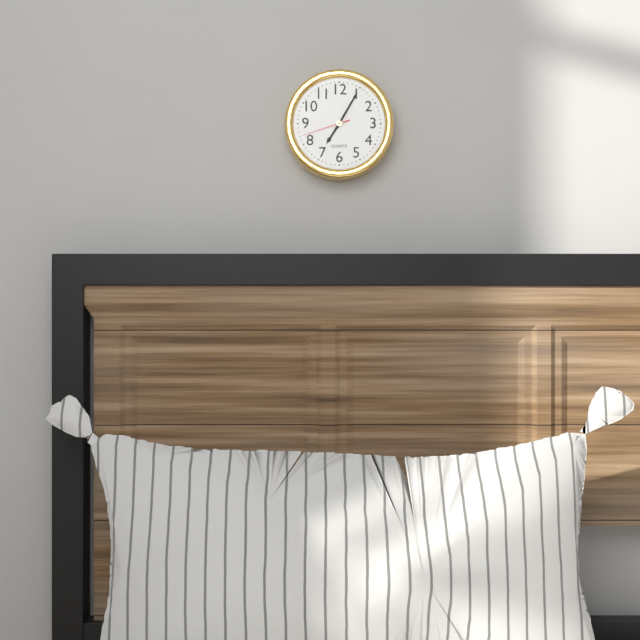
7:05
